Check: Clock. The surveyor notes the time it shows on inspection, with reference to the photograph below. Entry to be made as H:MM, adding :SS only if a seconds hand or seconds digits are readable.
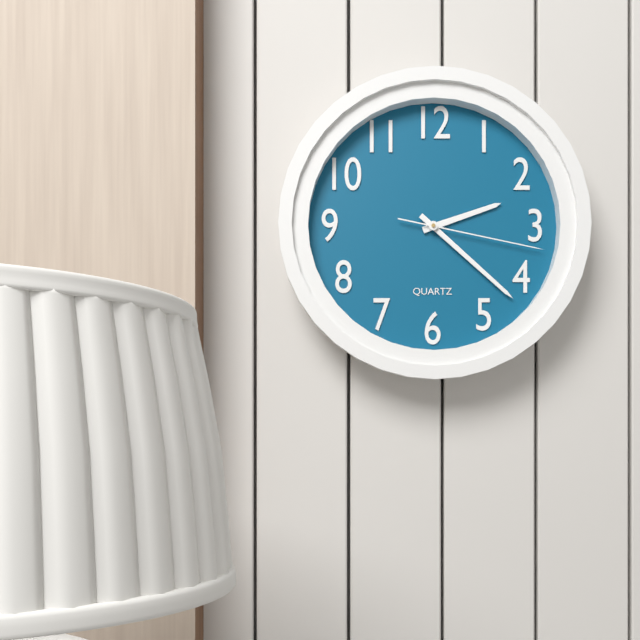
2:22:17
